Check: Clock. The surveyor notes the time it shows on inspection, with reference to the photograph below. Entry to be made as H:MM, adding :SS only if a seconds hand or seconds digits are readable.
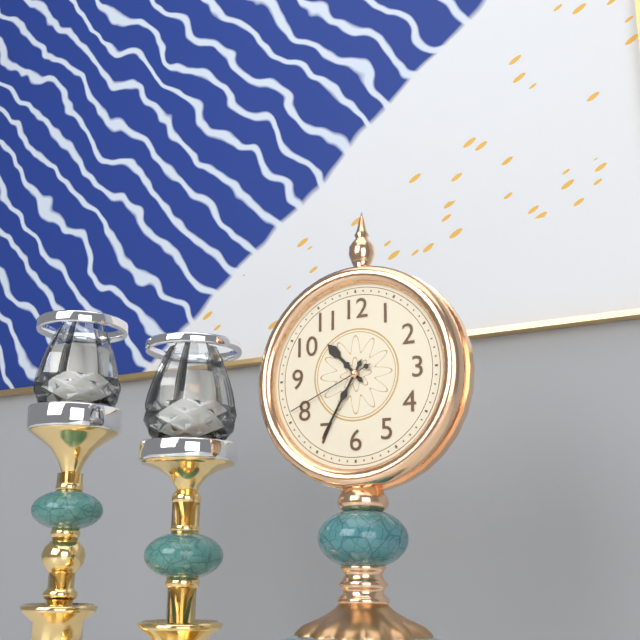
10:35:41
